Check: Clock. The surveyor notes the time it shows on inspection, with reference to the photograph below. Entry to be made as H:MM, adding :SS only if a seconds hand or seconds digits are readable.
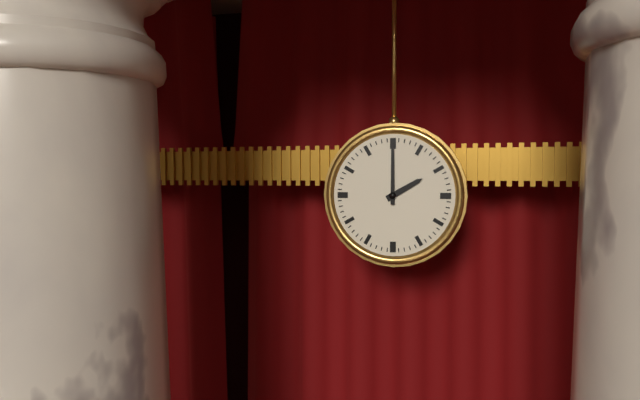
2:00
